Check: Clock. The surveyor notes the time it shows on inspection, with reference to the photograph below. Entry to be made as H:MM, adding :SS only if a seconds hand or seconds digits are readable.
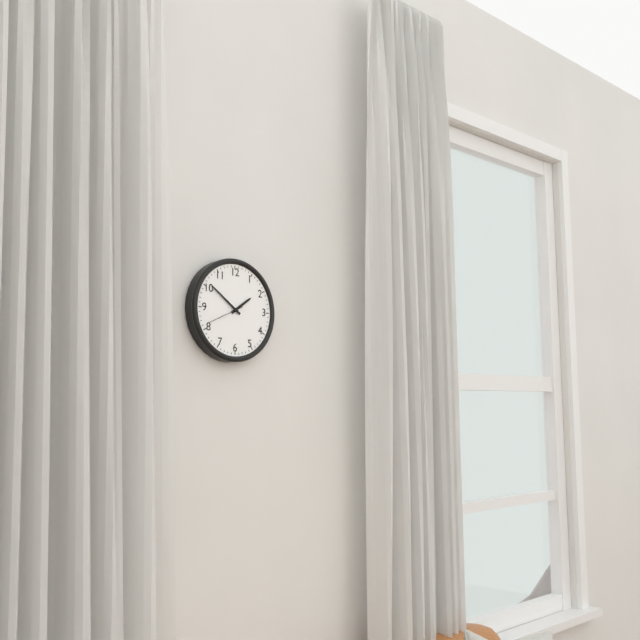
1:51
